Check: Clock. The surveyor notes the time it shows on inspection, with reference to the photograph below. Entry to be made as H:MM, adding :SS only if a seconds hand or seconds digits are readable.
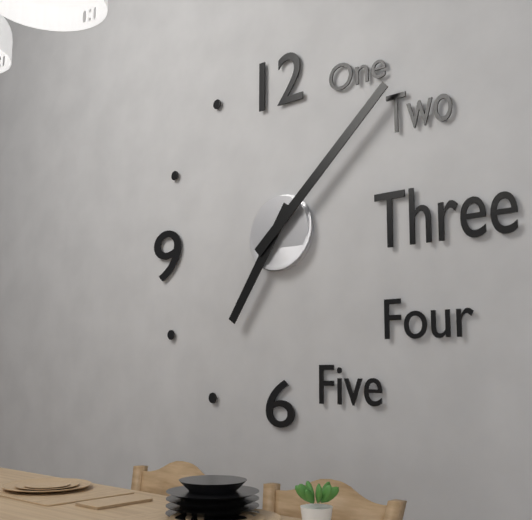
7:08
